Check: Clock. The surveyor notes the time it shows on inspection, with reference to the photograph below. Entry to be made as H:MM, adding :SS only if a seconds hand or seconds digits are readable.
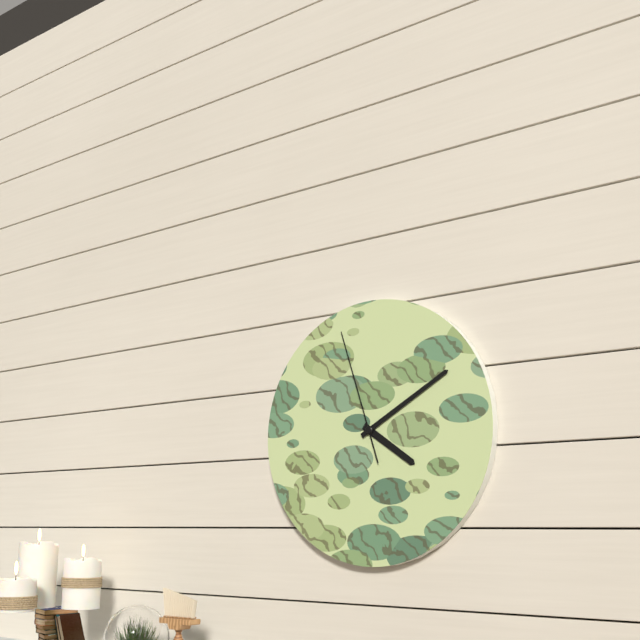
4:10:57
